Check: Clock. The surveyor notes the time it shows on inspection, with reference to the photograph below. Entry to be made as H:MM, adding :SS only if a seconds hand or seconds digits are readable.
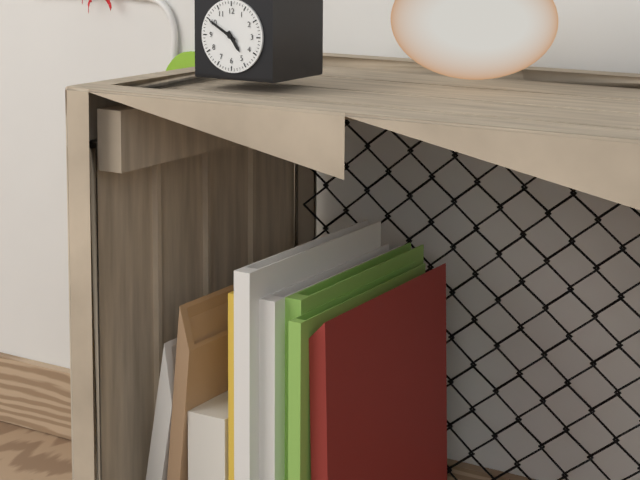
4:50
